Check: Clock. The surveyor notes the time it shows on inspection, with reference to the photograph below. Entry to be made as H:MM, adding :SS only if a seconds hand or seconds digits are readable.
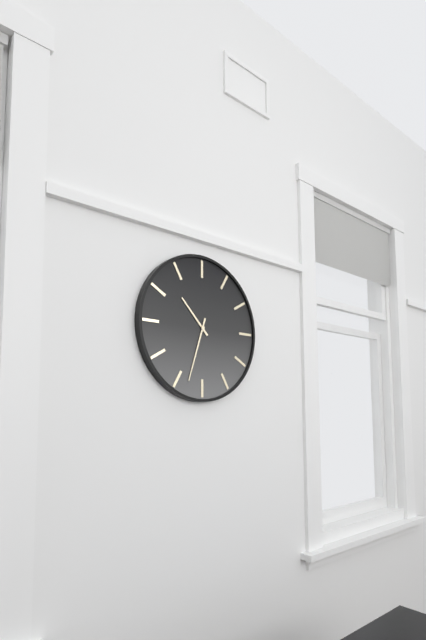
10:33
